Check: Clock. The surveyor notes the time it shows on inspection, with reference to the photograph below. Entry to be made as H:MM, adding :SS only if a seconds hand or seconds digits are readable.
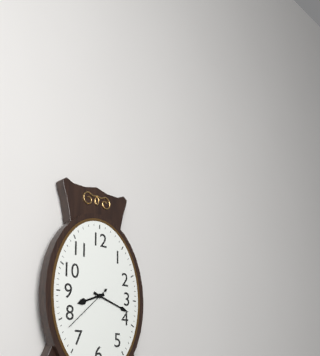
8:18:38
